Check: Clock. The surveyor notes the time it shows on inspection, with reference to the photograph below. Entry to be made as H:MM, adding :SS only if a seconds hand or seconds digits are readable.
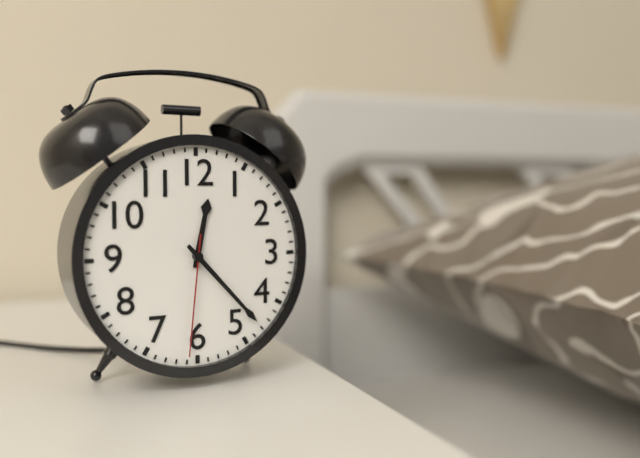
12:23:31
